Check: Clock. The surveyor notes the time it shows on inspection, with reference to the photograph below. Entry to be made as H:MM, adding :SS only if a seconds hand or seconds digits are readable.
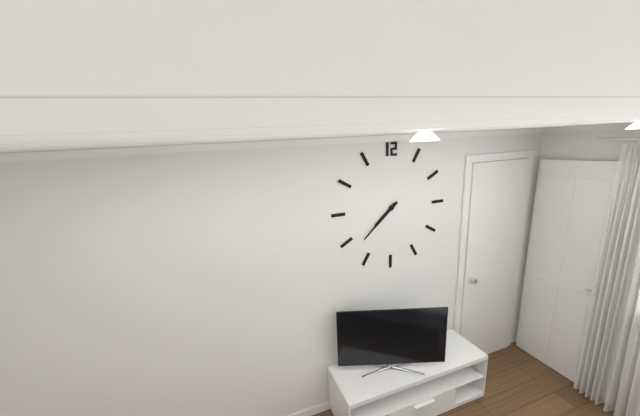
7:38
